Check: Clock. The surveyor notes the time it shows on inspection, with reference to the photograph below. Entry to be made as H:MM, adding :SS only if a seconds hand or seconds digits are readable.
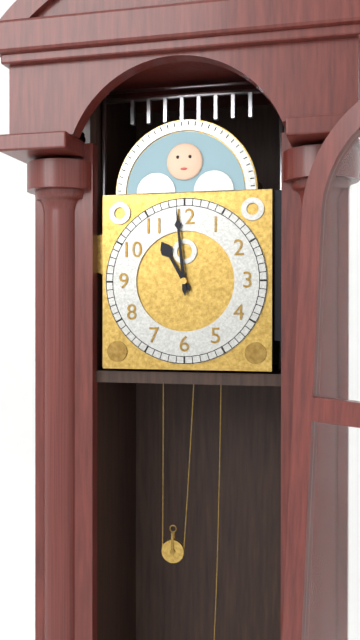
10:59
